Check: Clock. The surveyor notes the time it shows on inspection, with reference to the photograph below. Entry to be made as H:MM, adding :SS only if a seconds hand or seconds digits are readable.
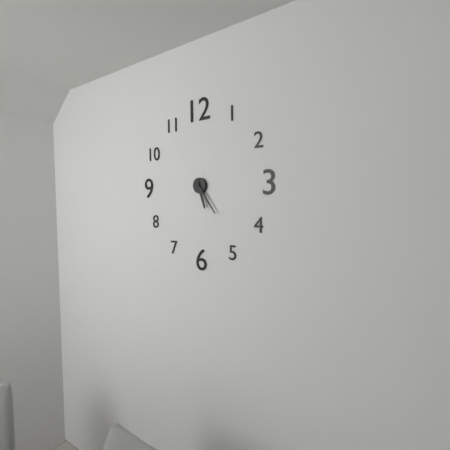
5:24
